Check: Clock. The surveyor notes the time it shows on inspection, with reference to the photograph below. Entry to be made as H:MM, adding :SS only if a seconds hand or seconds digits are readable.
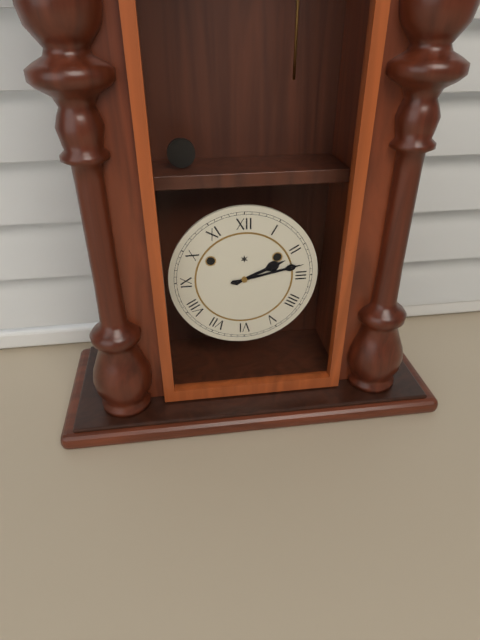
2:13
